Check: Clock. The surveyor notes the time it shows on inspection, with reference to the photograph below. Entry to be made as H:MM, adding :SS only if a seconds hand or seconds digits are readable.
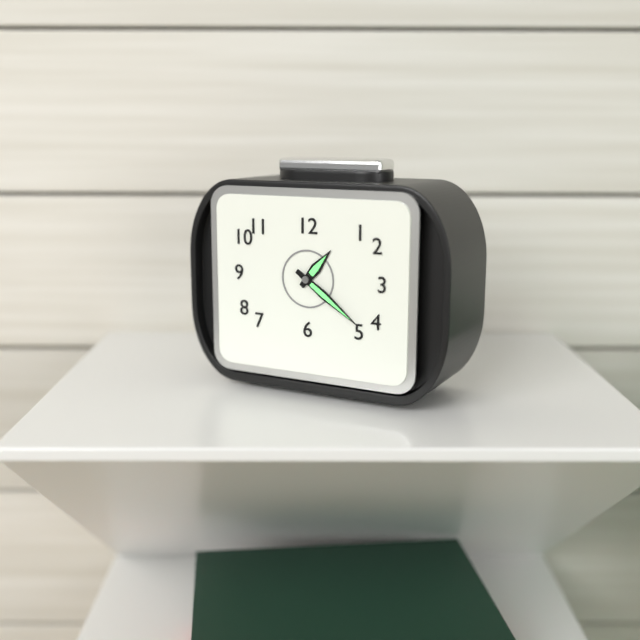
1:21
